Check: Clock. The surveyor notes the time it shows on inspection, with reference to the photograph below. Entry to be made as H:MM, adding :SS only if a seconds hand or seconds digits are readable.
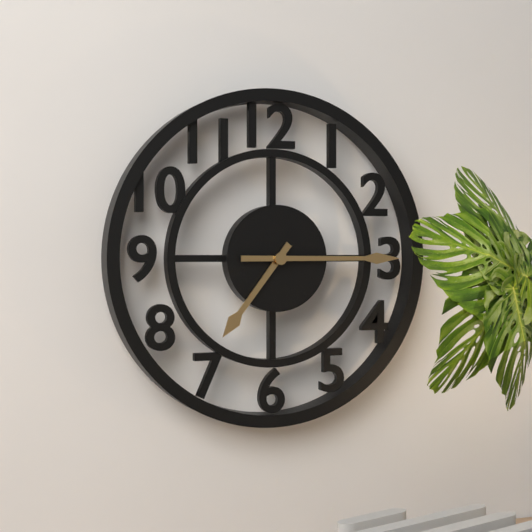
7:15
